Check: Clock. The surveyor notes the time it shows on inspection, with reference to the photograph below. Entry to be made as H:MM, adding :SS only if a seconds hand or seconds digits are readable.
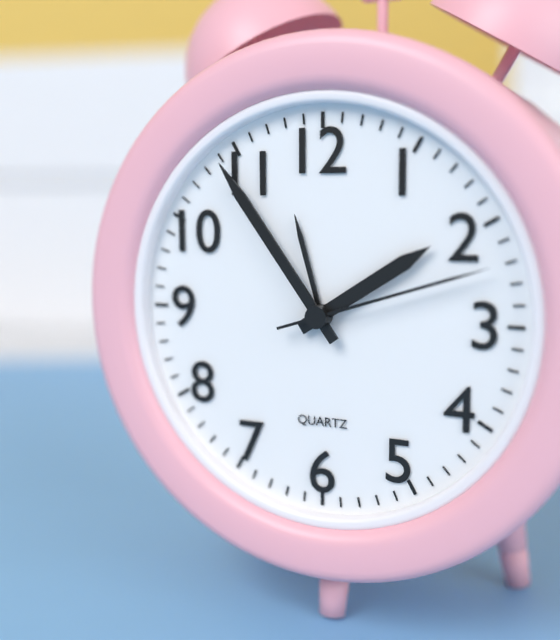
1:54:12
